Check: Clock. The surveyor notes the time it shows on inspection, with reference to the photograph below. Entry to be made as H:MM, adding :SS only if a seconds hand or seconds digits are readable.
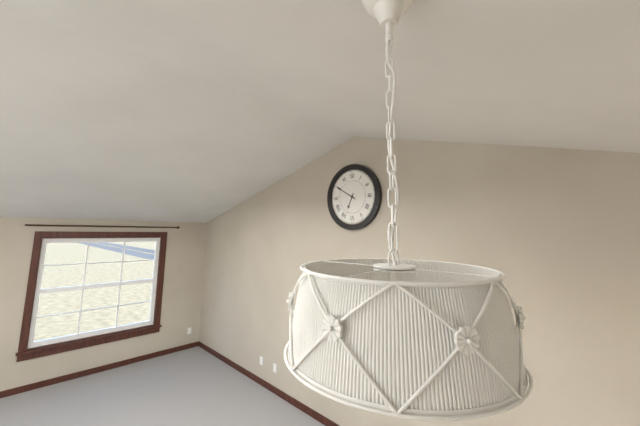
6:50
